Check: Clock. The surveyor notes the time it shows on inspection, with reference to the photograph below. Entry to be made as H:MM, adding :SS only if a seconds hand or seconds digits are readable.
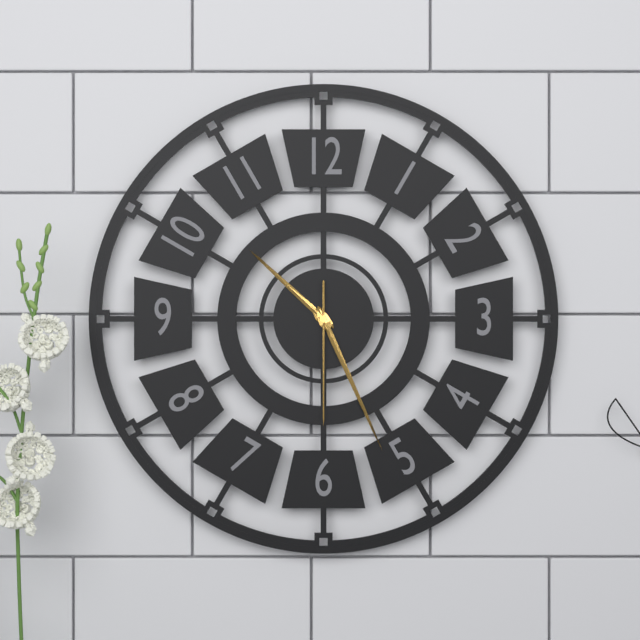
10:26:30
